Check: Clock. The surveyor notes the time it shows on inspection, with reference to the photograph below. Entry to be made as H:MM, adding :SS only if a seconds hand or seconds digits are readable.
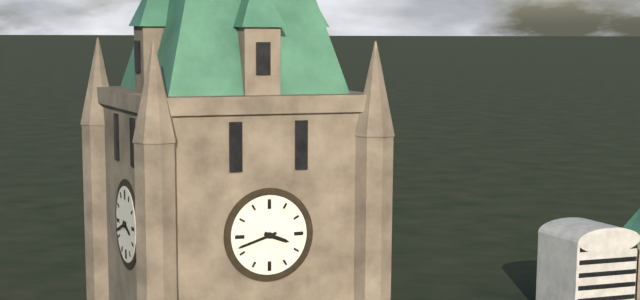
3:42
